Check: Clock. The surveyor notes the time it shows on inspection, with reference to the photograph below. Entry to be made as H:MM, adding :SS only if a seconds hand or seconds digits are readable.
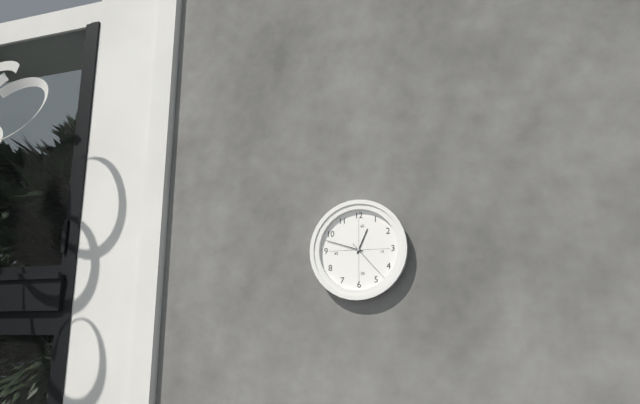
12:48
